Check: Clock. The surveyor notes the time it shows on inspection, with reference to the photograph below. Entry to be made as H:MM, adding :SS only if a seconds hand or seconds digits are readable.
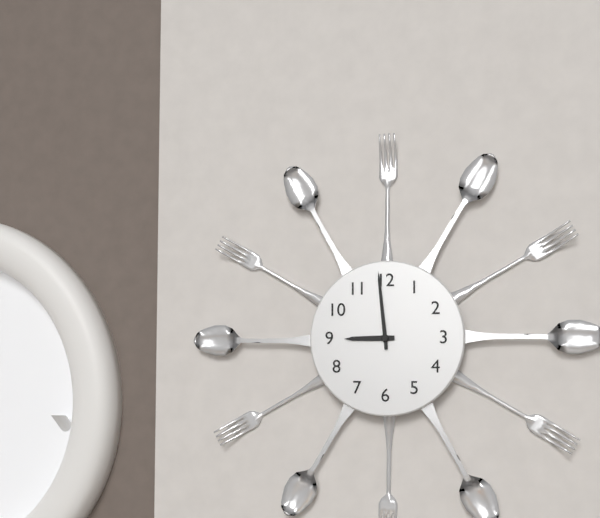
8:59
